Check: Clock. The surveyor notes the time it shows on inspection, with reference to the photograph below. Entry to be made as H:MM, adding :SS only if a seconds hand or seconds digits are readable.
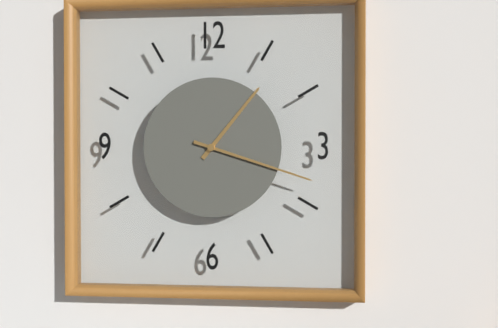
1:18
